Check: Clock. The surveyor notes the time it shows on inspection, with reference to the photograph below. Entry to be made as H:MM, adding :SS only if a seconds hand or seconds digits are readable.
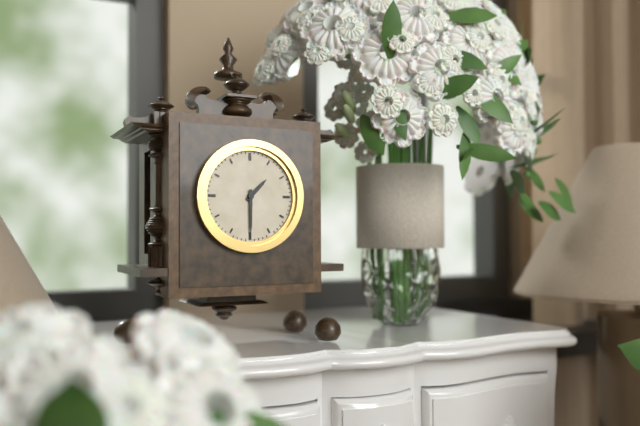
1:30
